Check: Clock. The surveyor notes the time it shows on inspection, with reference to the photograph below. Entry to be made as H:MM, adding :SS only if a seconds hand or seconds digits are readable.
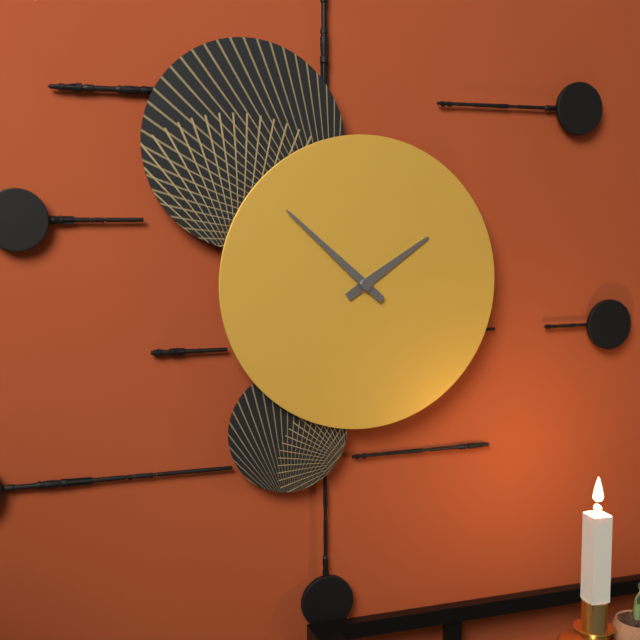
1:52
